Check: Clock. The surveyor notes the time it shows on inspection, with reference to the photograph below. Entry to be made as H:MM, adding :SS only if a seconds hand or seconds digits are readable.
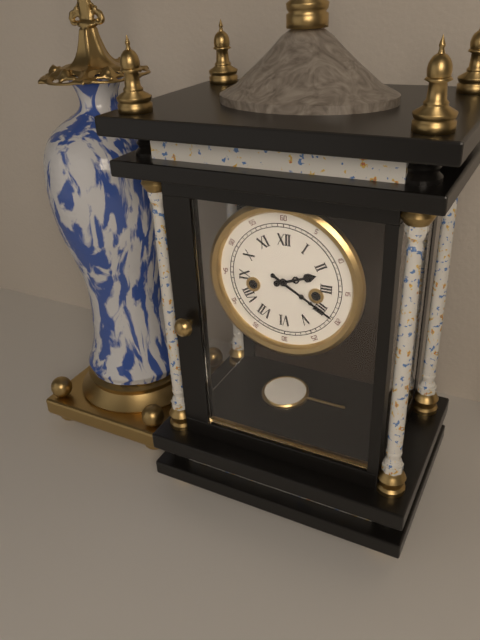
2:20
